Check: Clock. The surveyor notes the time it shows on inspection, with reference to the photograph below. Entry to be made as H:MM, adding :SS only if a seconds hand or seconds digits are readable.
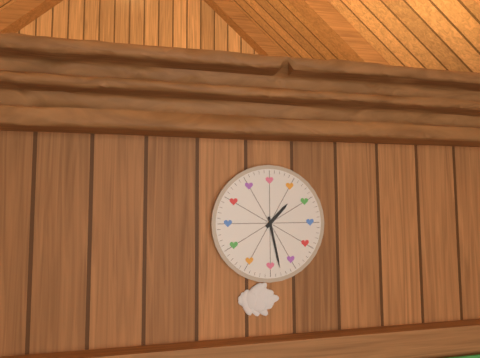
1:28
